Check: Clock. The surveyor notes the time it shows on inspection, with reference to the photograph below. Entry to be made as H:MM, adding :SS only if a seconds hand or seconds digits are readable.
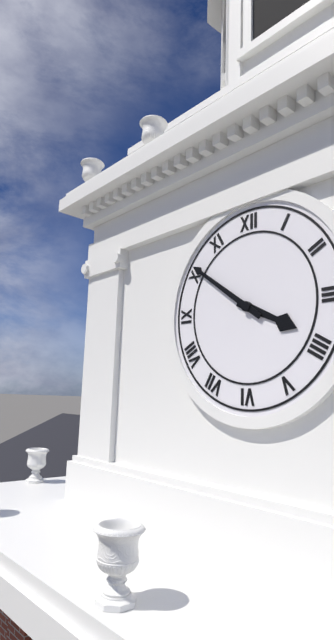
3:51
